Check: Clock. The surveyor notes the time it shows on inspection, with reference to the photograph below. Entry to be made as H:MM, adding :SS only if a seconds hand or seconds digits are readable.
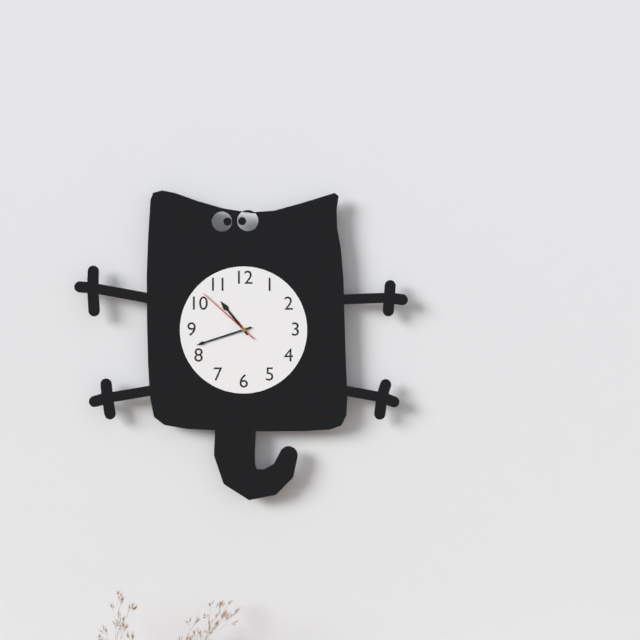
10:42:52
